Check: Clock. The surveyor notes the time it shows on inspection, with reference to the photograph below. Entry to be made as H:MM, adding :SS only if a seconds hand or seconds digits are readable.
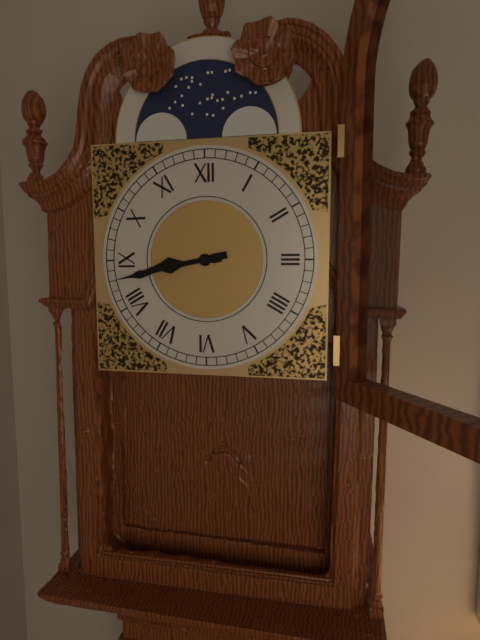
8:43
